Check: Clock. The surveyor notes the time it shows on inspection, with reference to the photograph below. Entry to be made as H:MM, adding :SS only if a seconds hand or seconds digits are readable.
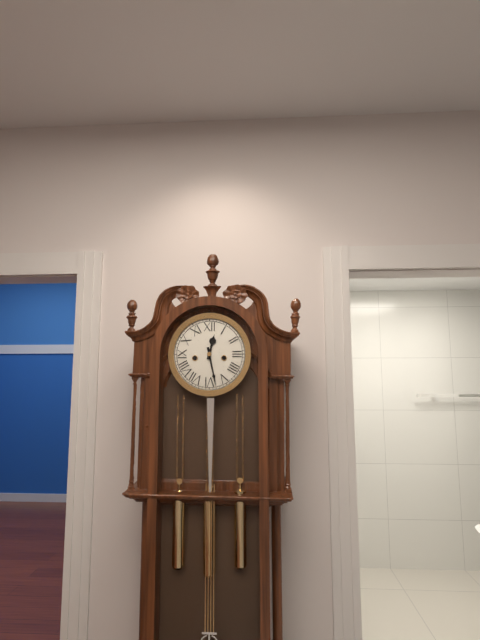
12:28
